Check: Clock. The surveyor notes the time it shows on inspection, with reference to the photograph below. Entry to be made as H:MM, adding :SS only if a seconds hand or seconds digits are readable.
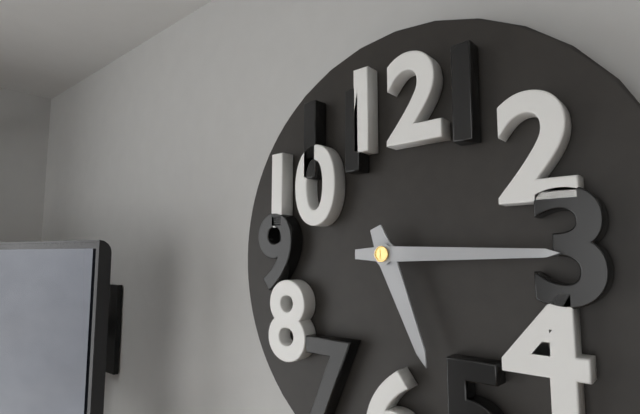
5:15
